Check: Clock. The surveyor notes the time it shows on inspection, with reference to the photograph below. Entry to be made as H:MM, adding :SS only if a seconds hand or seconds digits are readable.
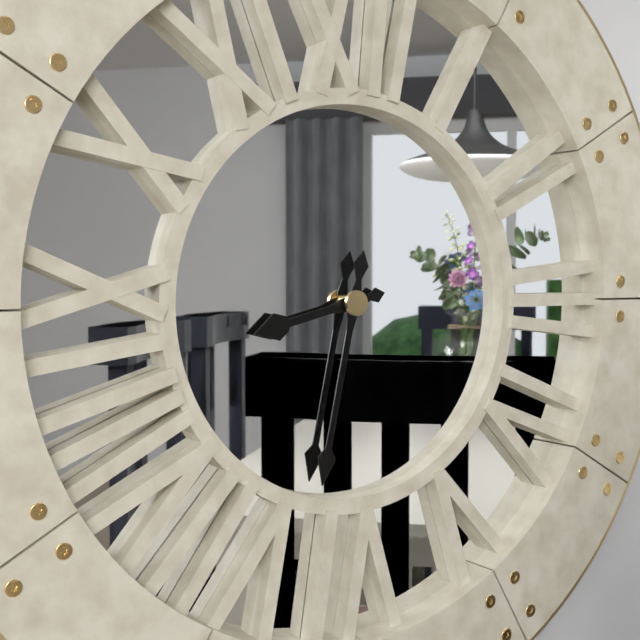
8:32
